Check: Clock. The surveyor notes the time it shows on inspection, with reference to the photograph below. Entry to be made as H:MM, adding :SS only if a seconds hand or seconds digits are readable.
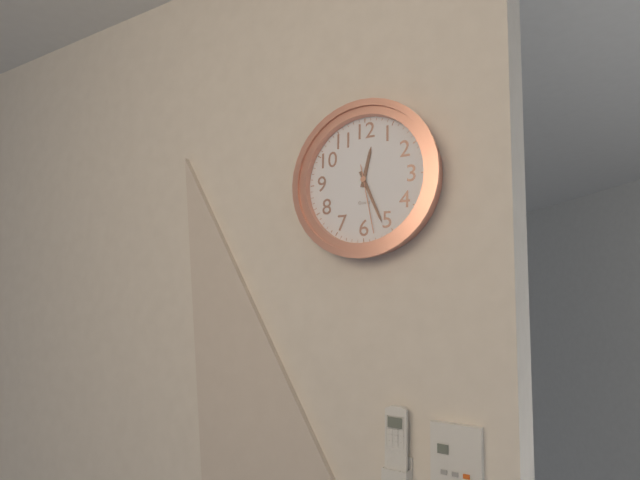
12:26:28
